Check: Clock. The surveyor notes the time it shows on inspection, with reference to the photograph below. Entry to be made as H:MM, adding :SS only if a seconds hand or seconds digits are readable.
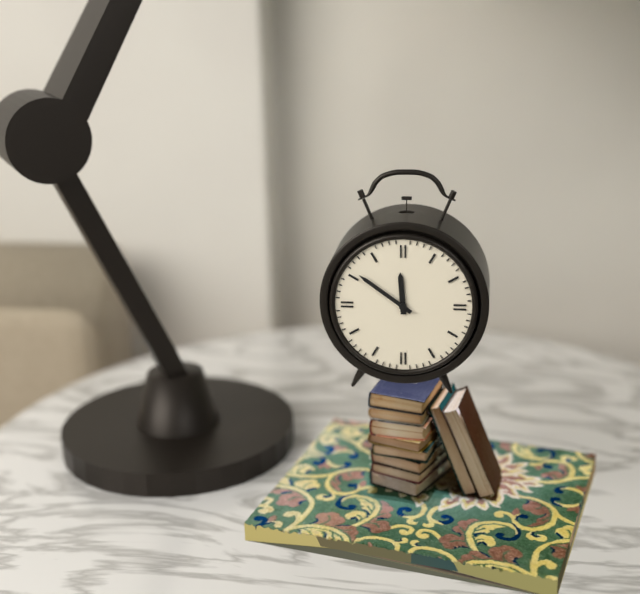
11:51
